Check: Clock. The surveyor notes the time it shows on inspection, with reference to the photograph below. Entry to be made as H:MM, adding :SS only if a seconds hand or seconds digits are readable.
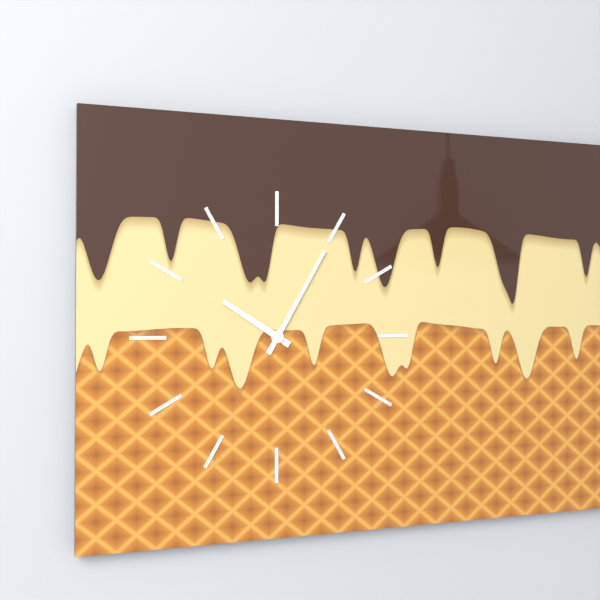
10:05
